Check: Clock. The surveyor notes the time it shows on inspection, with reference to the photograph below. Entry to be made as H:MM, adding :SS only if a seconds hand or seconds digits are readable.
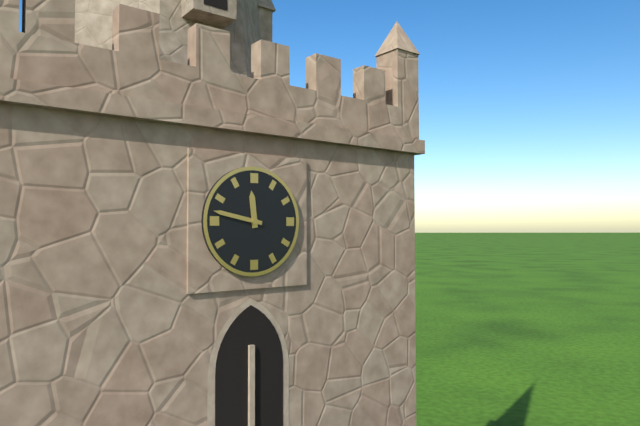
11:47
